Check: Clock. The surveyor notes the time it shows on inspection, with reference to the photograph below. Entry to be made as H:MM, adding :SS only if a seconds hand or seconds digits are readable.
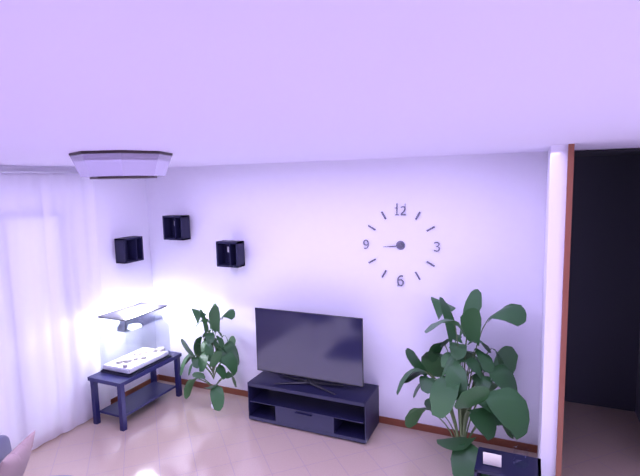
8:44
